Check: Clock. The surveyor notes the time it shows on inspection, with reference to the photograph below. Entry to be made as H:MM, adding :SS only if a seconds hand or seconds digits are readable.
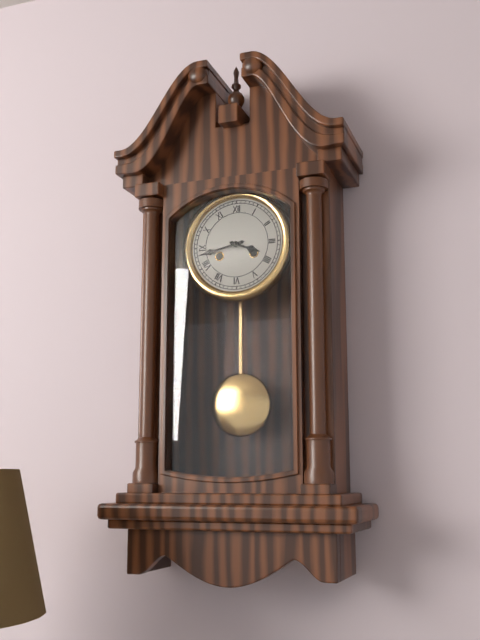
3:43
